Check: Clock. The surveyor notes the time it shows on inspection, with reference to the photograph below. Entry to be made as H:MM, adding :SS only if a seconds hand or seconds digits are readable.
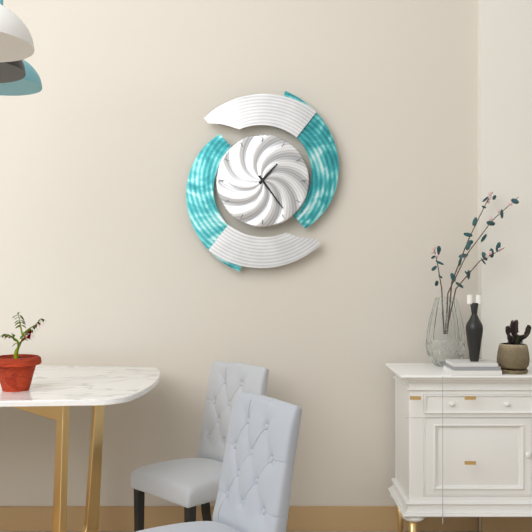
1:24
